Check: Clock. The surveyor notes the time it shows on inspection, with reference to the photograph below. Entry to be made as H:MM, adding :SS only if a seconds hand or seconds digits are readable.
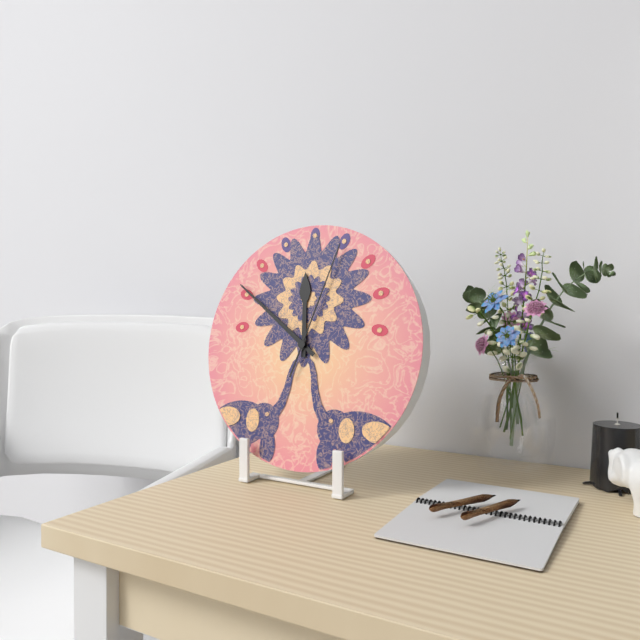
11:51:03
